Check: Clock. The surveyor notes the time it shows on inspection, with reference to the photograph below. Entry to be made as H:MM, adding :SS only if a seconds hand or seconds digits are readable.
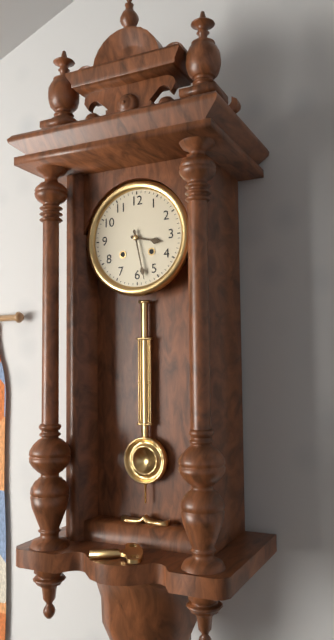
3:28
